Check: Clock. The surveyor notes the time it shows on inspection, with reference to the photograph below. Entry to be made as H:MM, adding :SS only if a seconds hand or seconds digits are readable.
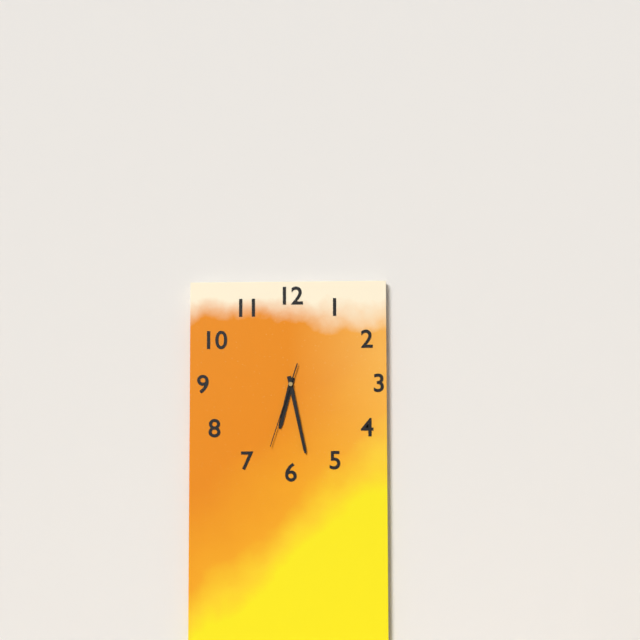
6:28:33
